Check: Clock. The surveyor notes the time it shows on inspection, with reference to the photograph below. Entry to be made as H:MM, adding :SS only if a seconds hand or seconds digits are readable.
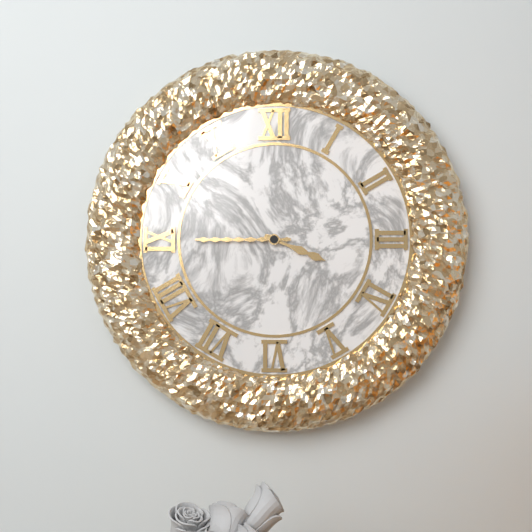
3:45
